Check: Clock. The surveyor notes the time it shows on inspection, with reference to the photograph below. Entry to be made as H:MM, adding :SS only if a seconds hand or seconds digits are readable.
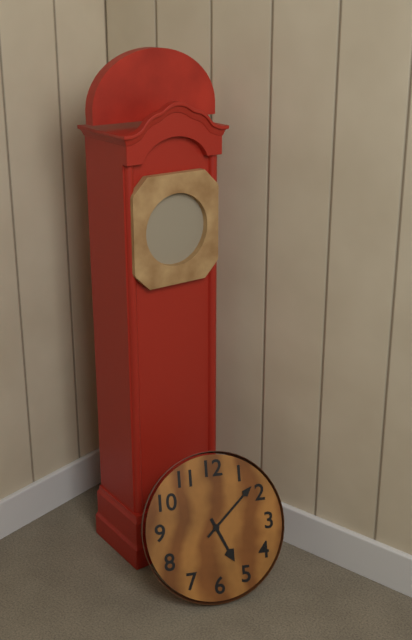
5:08
